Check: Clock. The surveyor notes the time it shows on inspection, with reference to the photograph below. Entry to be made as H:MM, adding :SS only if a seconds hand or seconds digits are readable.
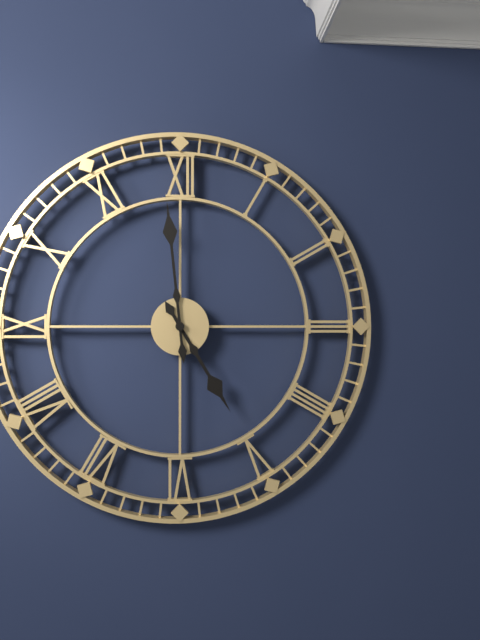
4:59
